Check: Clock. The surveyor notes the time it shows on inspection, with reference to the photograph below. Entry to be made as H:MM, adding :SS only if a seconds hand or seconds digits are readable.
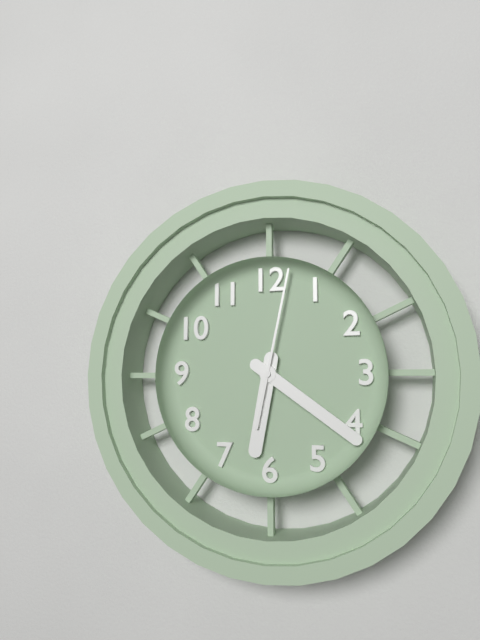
6:21:02
